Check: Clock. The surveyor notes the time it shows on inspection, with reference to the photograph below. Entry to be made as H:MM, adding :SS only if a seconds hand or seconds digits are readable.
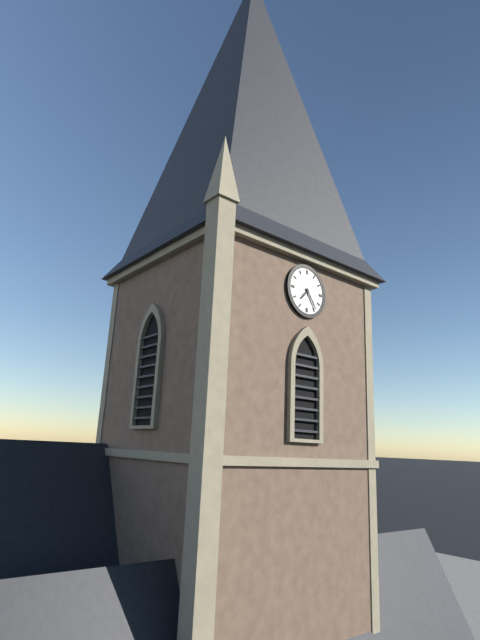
7:24
